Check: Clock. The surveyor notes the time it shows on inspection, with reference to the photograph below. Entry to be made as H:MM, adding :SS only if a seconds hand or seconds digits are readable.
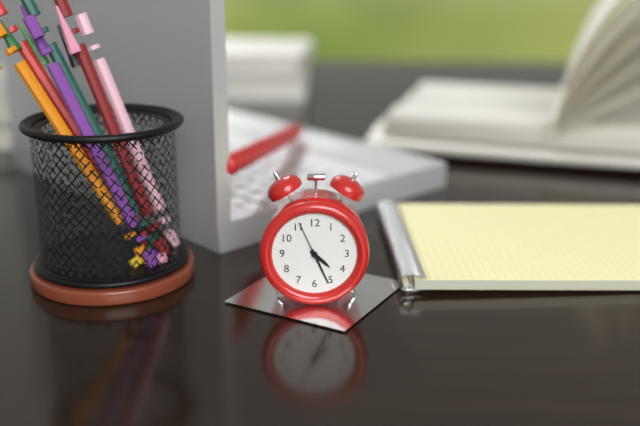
4:26
